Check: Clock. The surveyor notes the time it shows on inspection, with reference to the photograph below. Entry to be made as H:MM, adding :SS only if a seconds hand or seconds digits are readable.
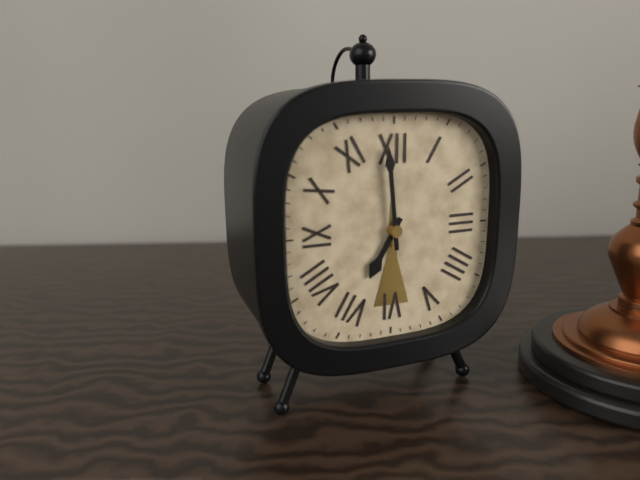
6:59
